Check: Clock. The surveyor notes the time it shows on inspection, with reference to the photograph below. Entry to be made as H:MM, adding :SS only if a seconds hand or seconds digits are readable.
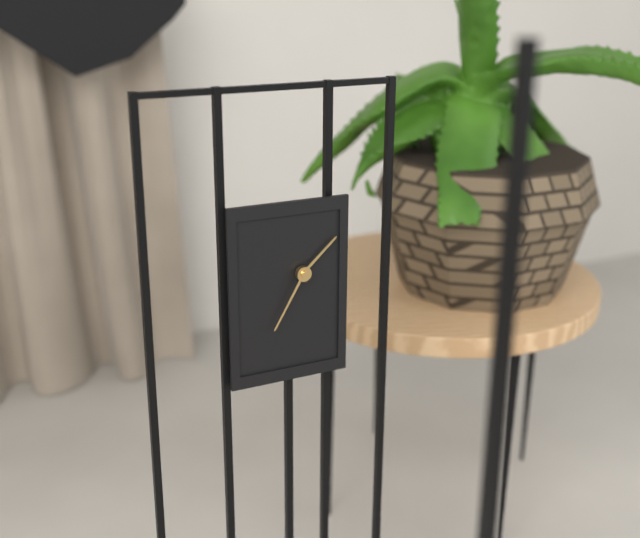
1:35
